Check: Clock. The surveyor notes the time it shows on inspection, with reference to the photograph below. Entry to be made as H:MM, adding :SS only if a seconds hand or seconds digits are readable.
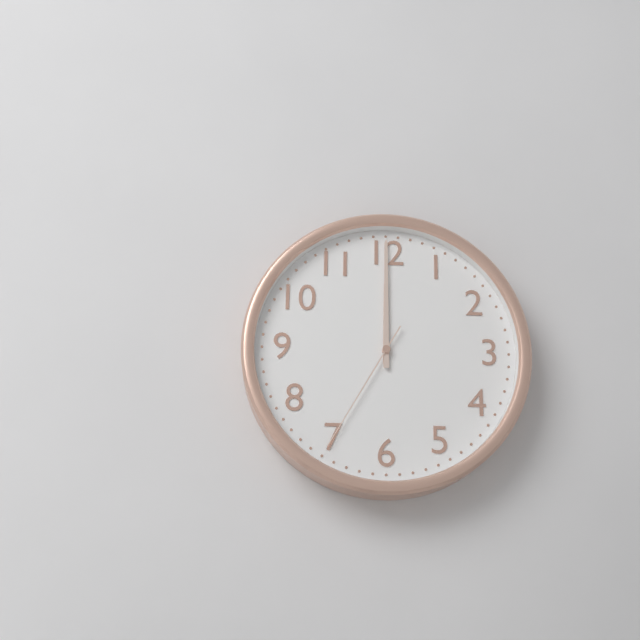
12:00:35
